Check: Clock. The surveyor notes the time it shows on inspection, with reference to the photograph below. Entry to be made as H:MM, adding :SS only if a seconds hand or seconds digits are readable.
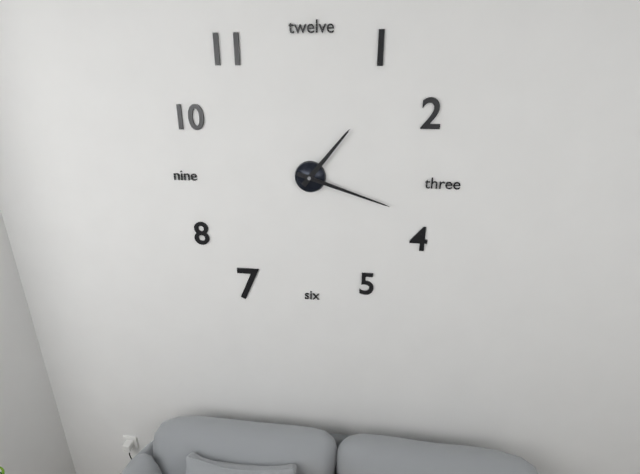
1:18
